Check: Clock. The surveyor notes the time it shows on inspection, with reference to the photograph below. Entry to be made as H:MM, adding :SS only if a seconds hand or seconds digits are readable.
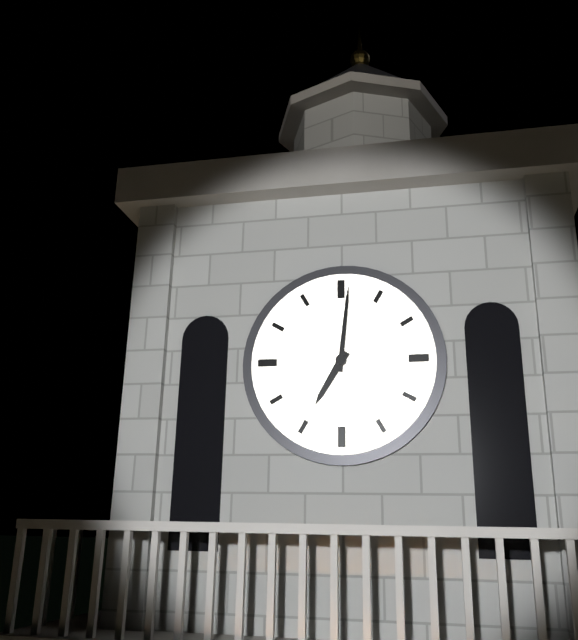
7:01
